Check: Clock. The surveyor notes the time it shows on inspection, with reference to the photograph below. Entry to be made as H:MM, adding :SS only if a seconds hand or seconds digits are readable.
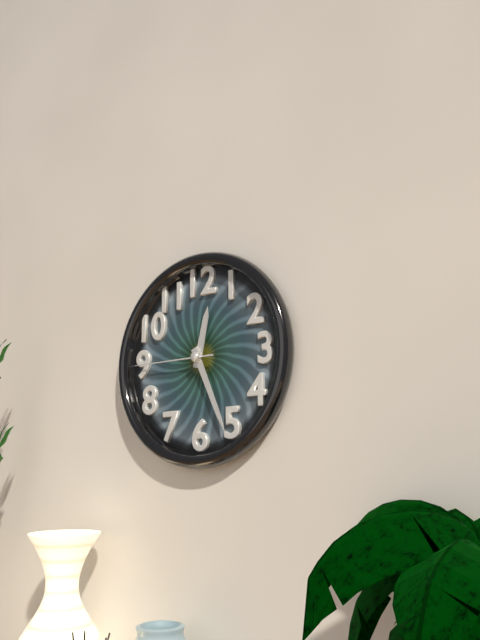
12:26:45
